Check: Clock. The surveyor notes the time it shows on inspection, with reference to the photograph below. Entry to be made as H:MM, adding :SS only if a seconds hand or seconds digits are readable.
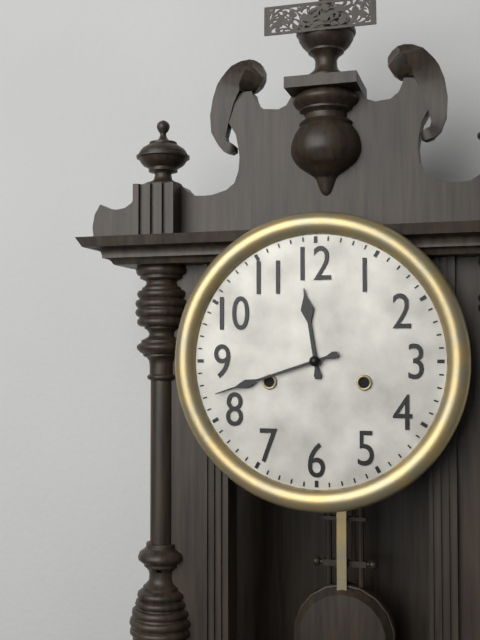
11:42
